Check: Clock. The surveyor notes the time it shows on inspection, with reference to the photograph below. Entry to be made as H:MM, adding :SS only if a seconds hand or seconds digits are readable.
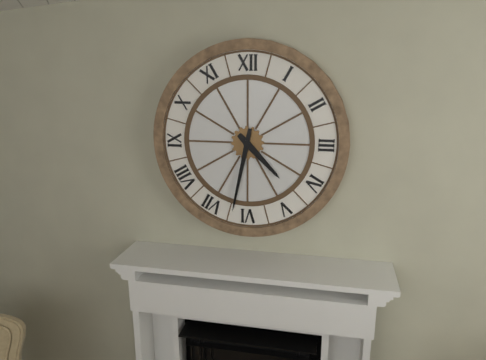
4:32
